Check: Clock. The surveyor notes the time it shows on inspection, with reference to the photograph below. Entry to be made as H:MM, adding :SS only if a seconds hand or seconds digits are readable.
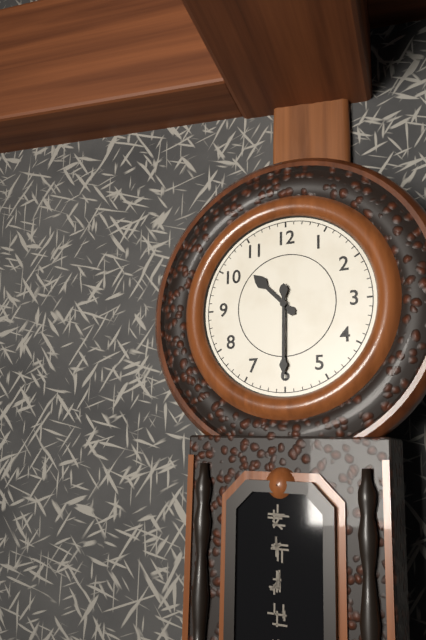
10:30
